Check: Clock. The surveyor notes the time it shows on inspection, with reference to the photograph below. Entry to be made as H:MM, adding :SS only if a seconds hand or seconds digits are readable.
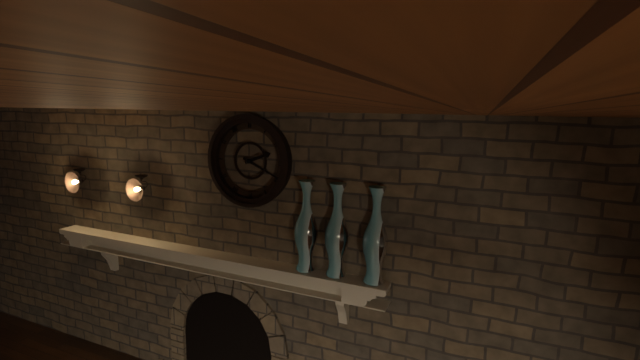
2:19
